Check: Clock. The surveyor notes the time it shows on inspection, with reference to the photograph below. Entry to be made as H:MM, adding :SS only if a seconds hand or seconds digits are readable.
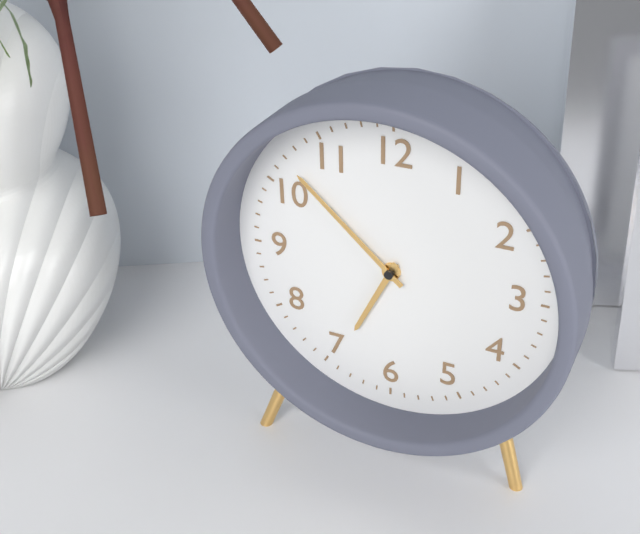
6:52
